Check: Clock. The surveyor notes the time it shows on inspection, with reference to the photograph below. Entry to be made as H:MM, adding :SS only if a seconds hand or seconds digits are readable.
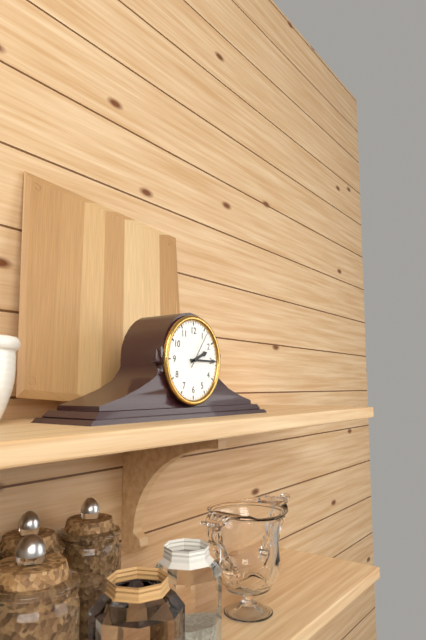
2:15
